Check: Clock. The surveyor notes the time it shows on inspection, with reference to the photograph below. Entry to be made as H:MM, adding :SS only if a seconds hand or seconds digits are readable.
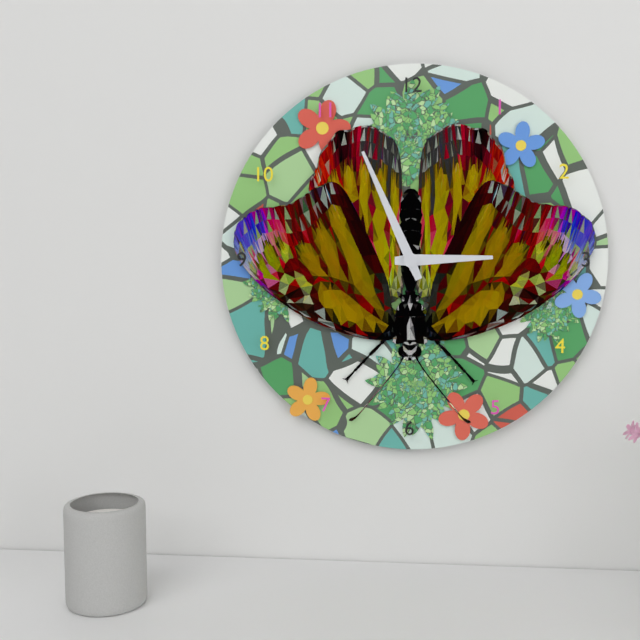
2:56
